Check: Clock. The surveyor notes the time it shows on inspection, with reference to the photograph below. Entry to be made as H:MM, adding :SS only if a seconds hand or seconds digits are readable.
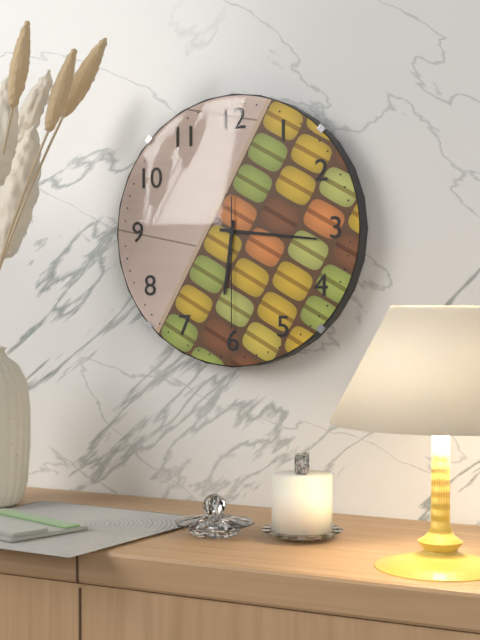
6:16:30
